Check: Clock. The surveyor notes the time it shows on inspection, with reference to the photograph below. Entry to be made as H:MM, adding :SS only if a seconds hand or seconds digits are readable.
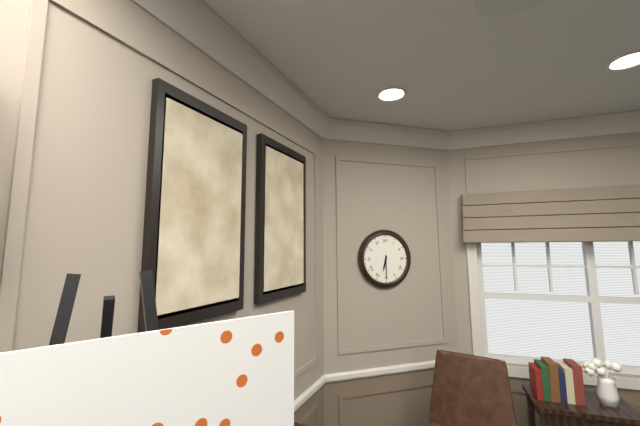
6:30
